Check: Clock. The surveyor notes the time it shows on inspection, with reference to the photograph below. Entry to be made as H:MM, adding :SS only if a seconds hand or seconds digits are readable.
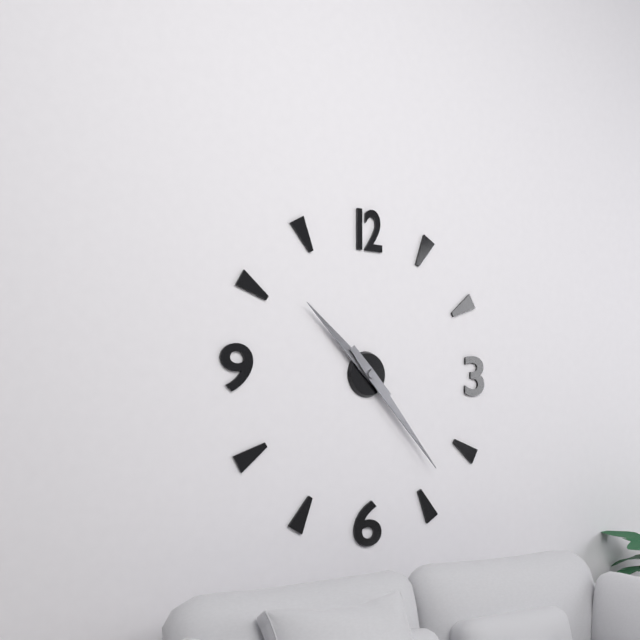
10:23
